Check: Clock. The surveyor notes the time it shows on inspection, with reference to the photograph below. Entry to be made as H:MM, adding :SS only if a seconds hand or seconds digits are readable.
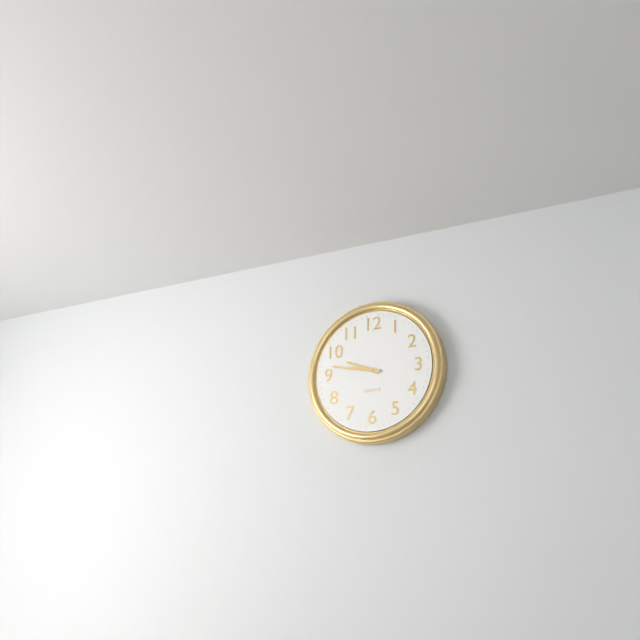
9:47
